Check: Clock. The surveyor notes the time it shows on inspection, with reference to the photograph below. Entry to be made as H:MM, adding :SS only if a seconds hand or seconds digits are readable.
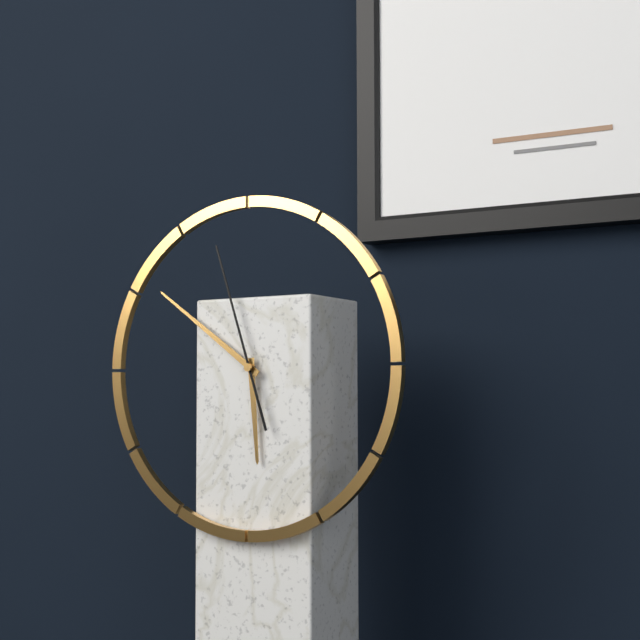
5:51:57
